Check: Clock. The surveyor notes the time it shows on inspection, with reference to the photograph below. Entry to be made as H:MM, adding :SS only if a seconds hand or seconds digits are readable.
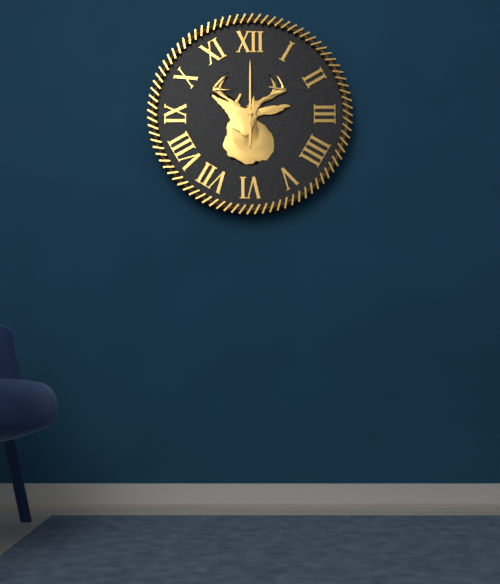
6:00
